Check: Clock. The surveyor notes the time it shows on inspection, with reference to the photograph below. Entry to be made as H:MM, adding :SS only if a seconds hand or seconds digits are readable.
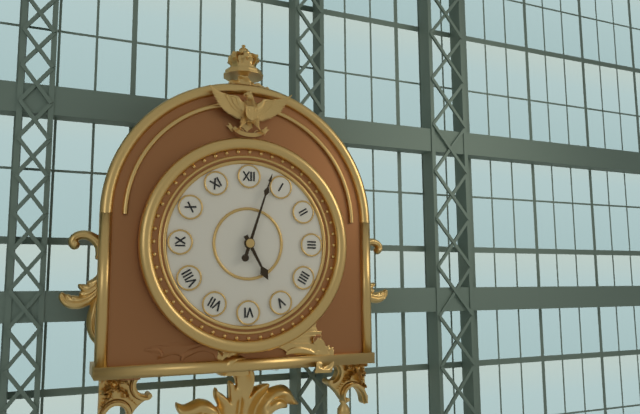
5:03
